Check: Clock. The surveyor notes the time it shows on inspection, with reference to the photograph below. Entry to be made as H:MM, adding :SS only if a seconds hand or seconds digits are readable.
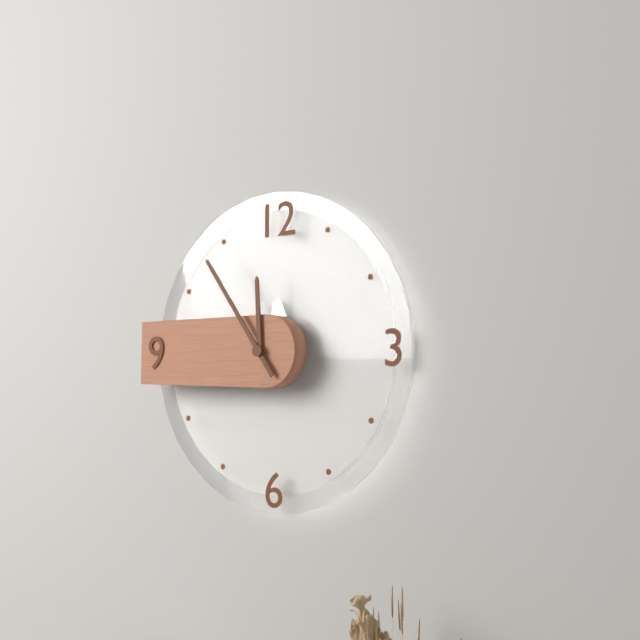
11:54
